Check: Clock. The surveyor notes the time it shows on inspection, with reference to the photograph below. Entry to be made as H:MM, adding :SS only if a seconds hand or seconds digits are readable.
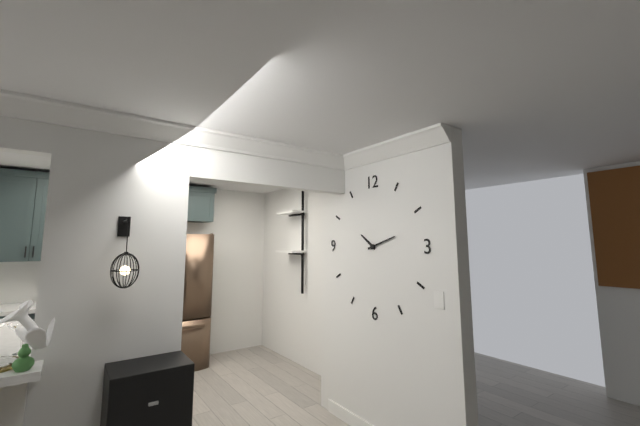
10:12
